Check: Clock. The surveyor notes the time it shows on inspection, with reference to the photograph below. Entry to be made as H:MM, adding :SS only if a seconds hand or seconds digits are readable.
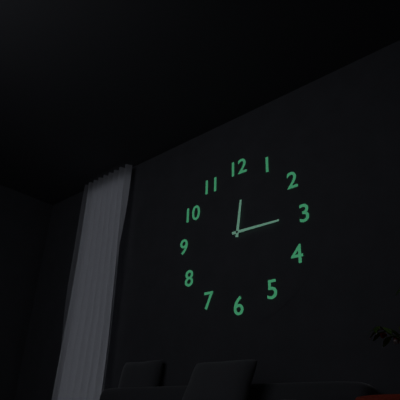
12:15
